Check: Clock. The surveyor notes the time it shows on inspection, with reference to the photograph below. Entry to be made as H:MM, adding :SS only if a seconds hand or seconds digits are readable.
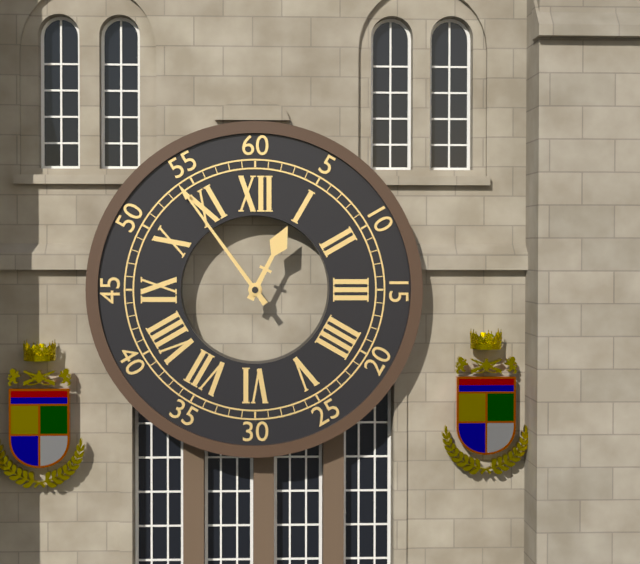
12:54
